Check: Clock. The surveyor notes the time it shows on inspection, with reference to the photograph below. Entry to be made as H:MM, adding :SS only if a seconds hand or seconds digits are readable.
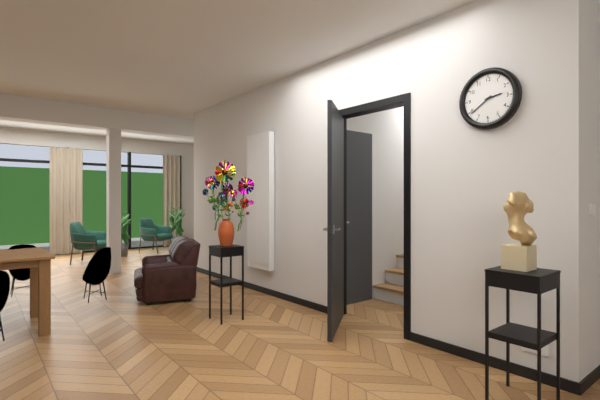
2:39
